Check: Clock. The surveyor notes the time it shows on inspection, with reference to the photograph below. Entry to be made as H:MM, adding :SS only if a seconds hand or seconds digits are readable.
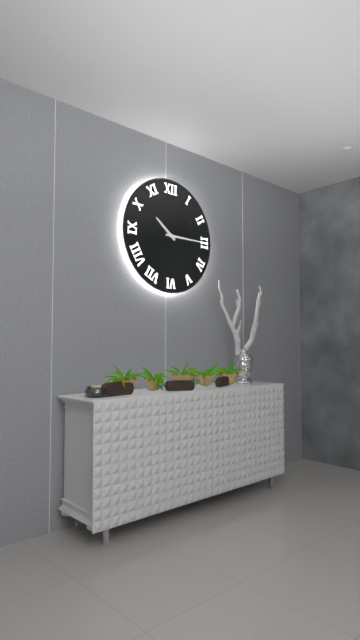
10:15
